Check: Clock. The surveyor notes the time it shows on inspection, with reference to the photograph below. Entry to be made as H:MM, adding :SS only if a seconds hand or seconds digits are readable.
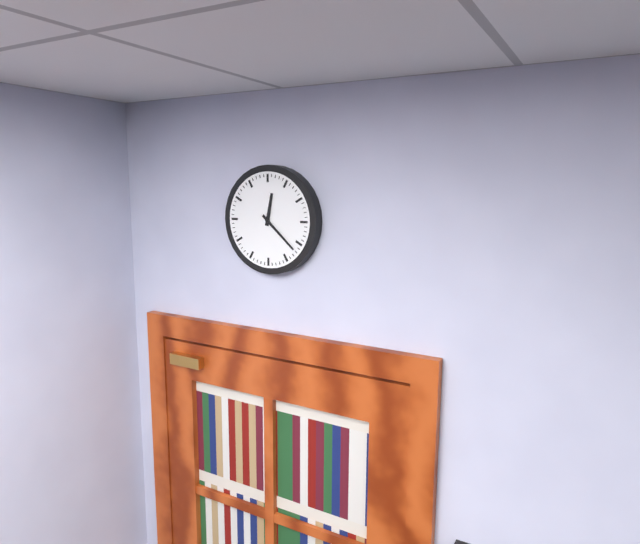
12:22
